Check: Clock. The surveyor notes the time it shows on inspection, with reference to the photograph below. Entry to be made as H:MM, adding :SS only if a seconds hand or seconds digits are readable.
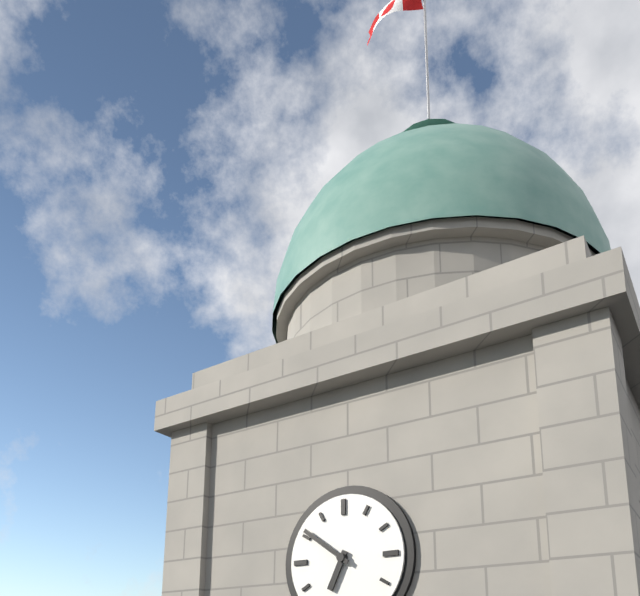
6:51
